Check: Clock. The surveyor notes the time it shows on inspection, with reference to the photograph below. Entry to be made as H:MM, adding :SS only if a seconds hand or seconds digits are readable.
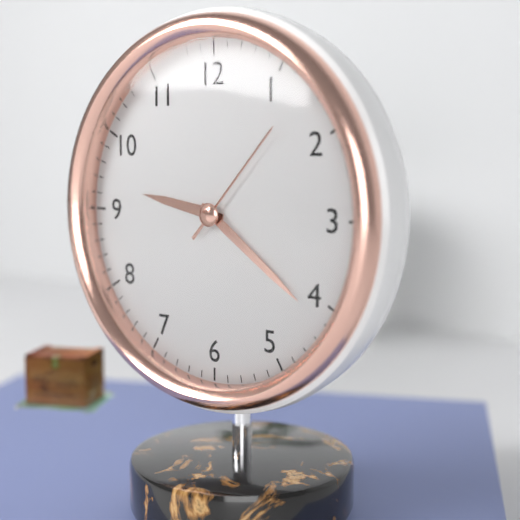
9:21:07
